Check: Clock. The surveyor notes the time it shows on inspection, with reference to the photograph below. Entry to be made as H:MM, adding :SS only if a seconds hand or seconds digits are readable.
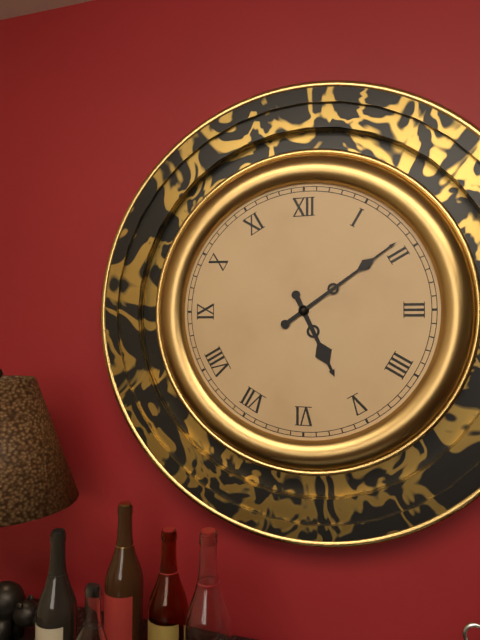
5:09
